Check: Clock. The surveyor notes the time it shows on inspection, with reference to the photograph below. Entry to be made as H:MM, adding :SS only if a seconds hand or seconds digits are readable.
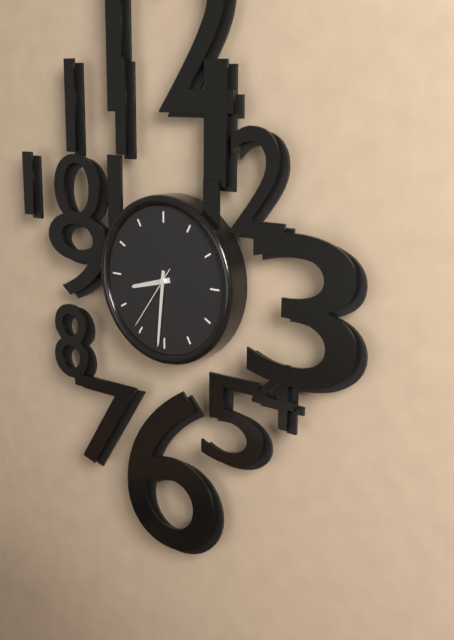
8:31:36
